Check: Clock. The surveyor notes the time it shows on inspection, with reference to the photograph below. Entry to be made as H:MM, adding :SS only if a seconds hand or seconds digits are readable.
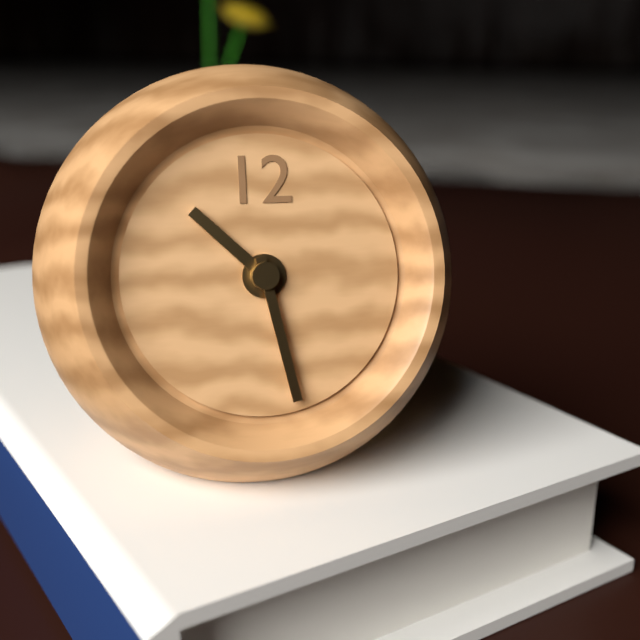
10:28
